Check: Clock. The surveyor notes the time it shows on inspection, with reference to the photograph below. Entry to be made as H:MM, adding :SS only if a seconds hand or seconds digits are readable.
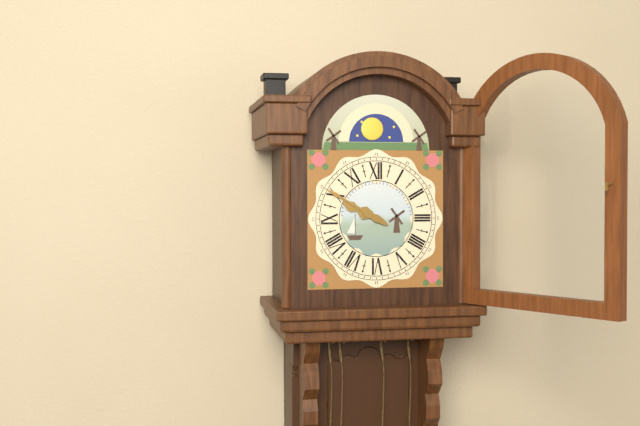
9:50
